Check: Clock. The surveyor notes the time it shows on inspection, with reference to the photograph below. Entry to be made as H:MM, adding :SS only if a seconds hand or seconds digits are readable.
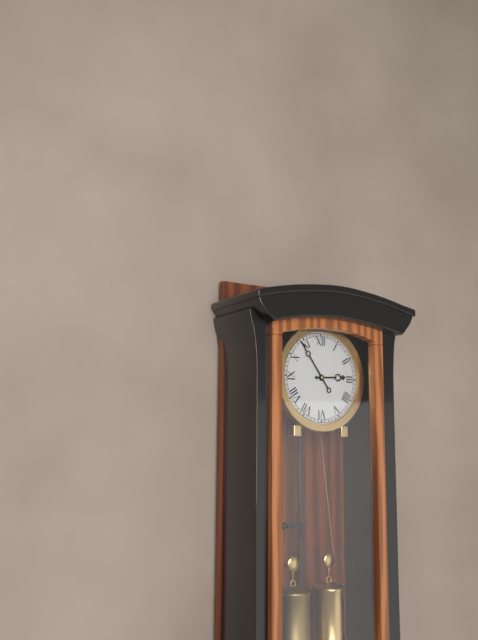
2:54
